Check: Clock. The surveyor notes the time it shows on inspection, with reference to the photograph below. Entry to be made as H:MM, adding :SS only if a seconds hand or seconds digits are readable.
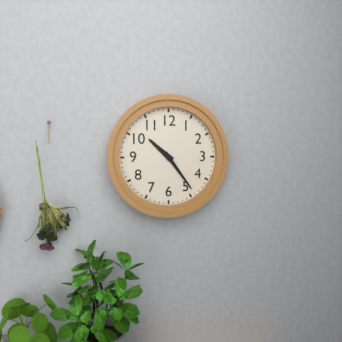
10:24
